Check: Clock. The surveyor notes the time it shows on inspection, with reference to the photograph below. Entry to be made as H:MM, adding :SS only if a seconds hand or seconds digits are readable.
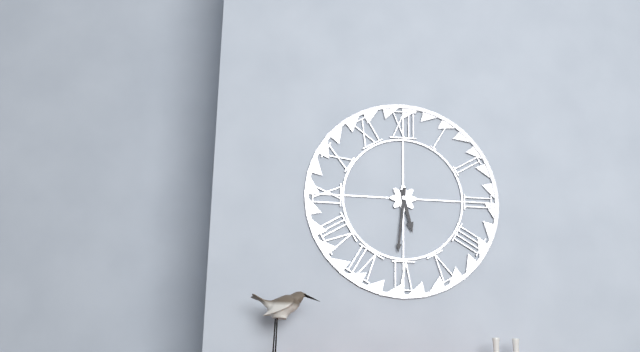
5:31
